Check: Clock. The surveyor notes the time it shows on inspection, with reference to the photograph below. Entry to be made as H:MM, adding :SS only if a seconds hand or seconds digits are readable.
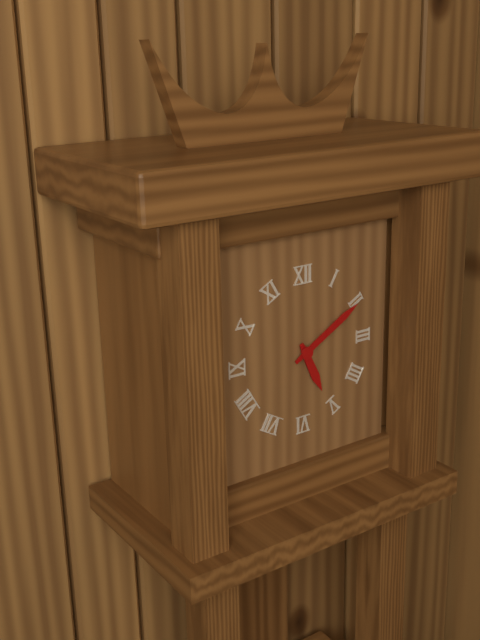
5:10
